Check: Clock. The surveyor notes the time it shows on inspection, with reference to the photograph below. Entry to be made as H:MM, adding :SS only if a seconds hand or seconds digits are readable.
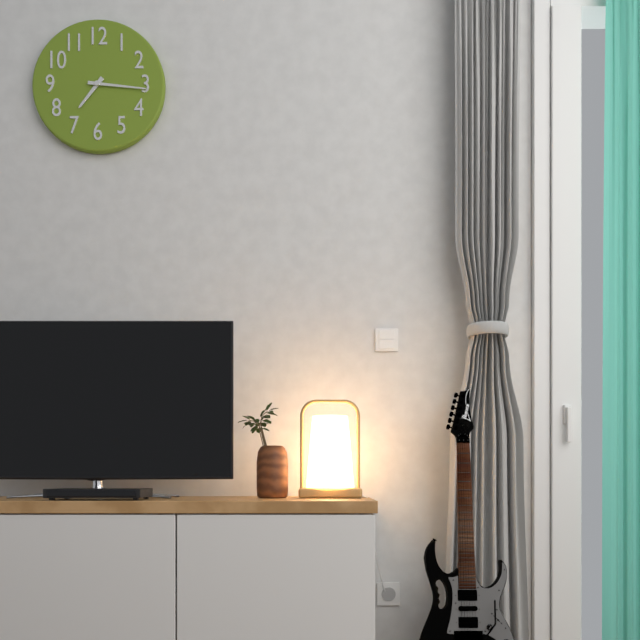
7:16
